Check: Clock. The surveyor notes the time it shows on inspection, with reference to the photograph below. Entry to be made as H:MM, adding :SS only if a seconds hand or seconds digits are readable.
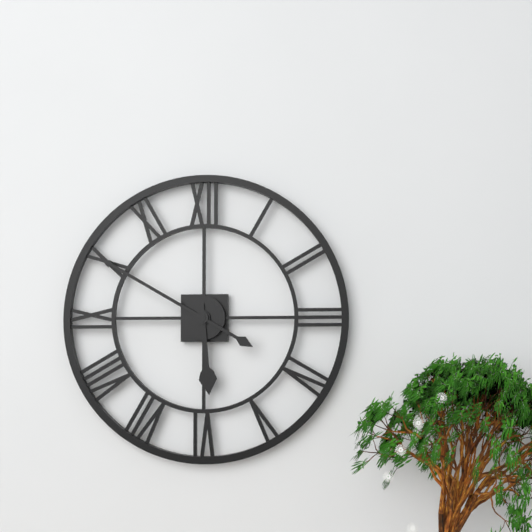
5:50
